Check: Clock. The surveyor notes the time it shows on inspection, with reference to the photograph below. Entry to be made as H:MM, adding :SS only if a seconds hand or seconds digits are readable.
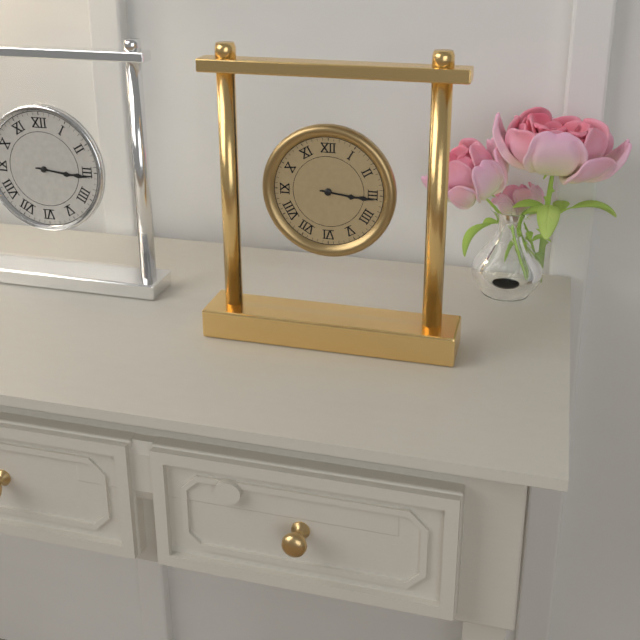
3:16
